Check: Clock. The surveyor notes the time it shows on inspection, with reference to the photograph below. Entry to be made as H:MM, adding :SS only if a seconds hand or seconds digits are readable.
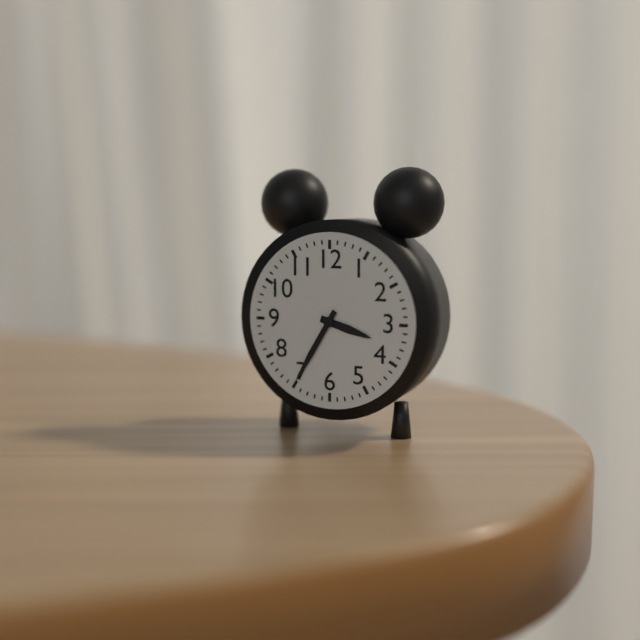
3:35
